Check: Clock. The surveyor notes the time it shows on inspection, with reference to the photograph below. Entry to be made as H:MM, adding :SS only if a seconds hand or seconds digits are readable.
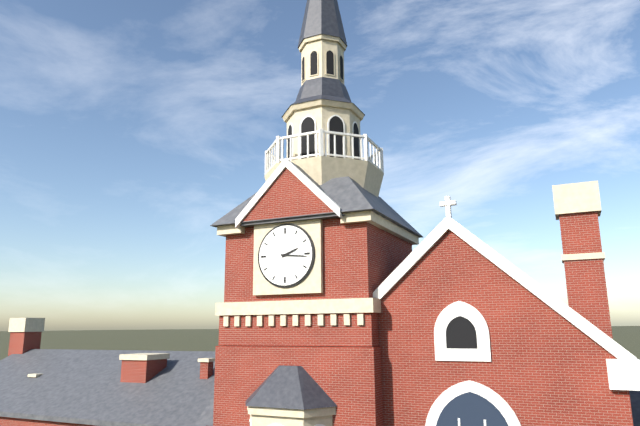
2:16
